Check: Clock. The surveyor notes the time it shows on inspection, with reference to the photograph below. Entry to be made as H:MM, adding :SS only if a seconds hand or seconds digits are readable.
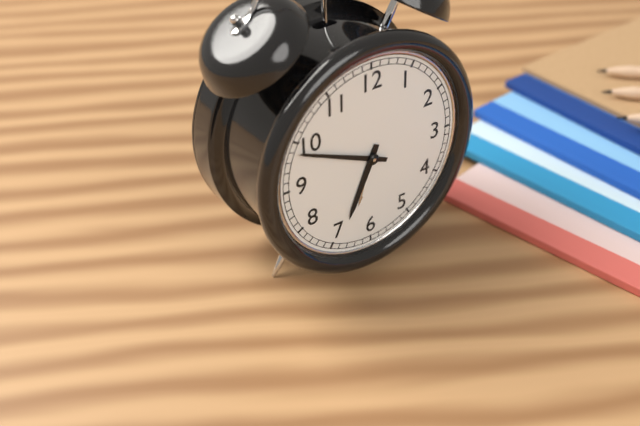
6:49
